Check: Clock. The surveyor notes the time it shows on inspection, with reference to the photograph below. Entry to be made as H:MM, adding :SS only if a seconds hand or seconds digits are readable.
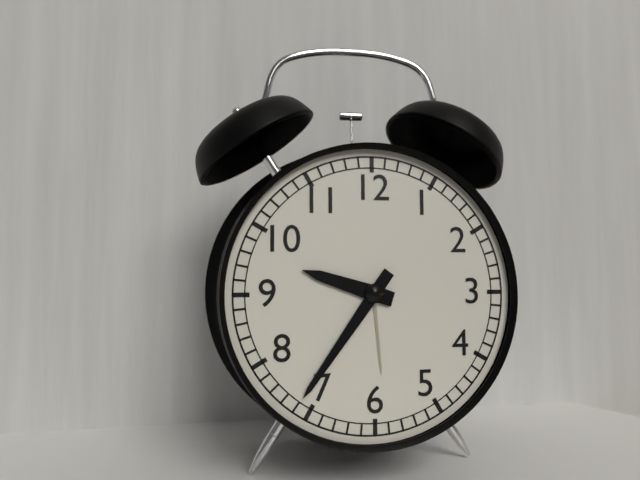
9:36
